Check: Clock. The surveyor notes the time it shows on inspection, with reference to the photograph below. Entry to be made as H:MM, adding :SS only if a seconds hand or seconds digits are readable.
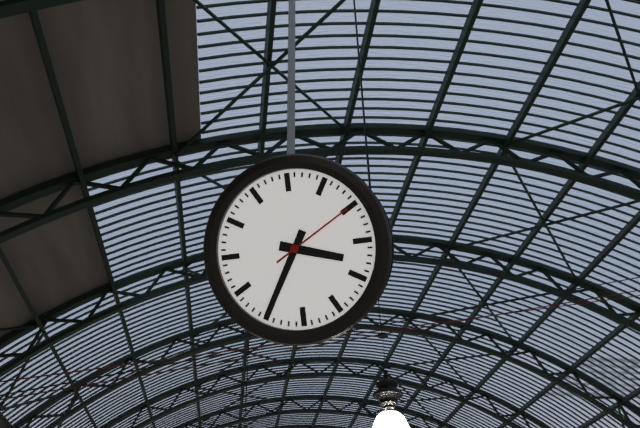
3:35:10
